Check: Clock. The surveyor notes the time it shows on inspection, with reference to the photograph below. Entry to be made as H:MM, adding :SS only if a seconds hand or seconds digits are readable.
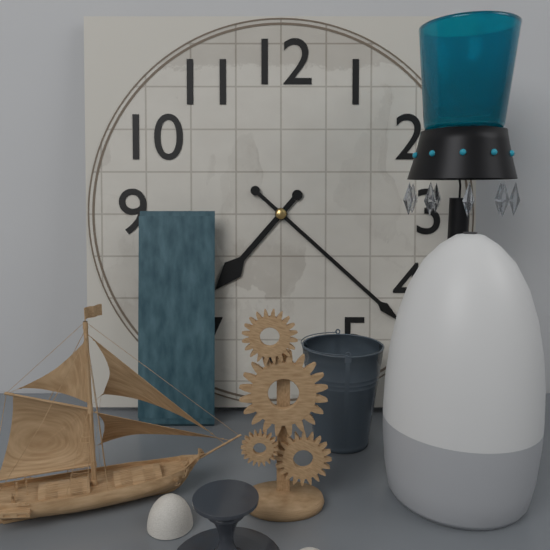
7:22
